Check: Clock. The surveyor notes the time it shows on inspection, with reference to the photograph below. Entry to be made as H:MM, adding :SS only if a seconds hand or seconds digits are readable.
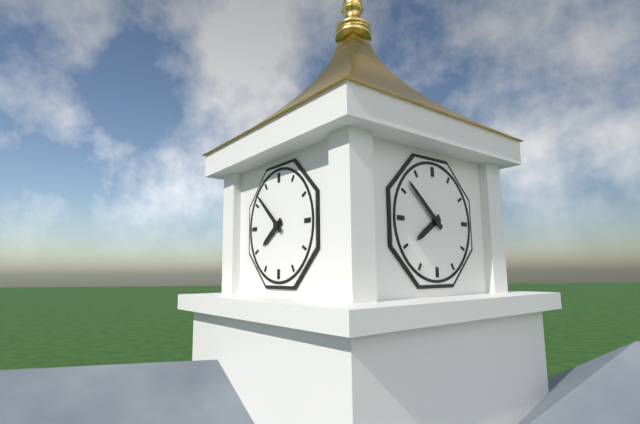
7:52
